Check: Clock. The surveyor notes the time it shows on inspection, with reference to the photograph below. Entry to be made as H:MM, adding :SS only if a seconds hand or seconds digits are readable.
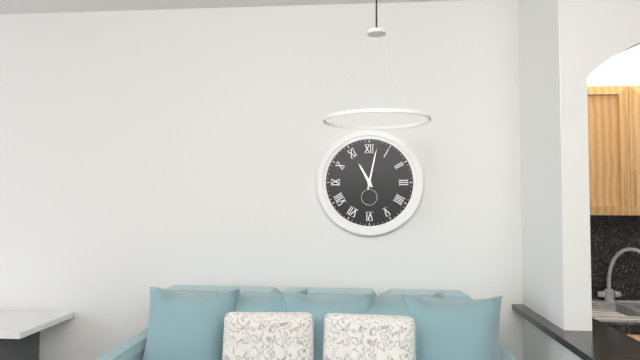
11:02
